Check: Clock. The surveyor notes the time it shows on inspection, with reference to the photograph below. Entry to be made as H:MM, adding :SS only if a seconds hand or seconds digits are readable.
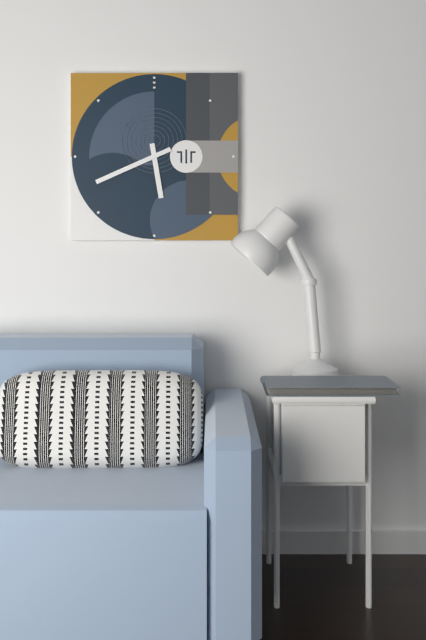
5:41
